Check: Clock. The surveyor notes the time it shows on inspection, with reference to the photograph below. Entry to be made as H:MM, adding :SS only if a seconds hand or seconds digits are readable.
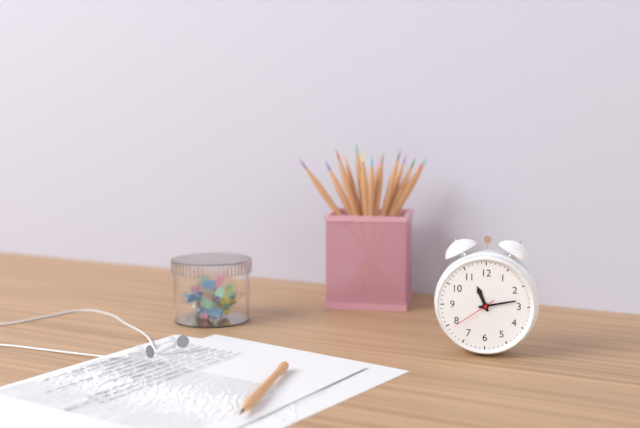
11:13
